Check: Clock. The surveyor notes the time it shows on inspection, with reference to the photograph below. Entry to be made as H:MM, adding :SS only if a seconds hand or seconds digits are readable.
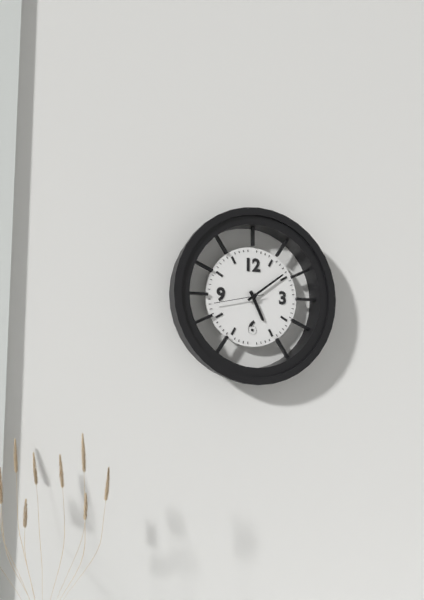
5:09:43
